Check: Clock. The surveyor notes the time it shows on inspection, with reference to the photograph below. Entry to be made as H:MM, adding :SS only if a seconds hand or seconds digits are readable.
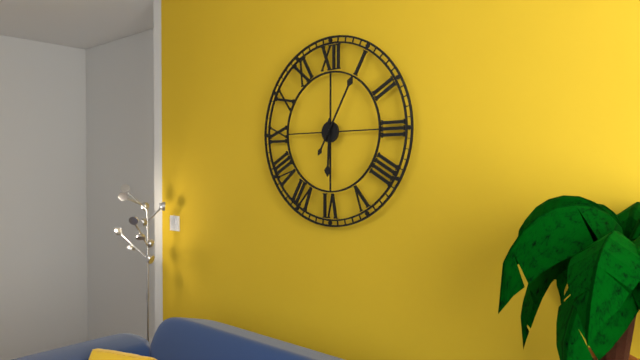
6:05
